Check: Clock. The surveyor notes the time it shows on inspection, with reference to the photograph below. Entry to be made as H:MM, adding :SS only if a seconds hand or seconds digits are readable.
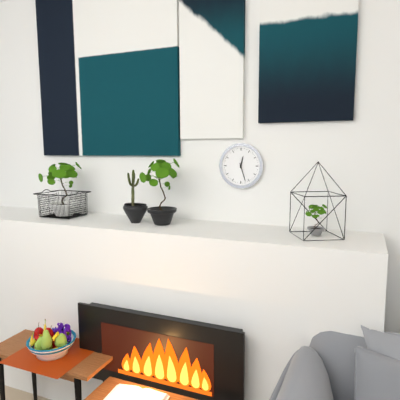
12:27
